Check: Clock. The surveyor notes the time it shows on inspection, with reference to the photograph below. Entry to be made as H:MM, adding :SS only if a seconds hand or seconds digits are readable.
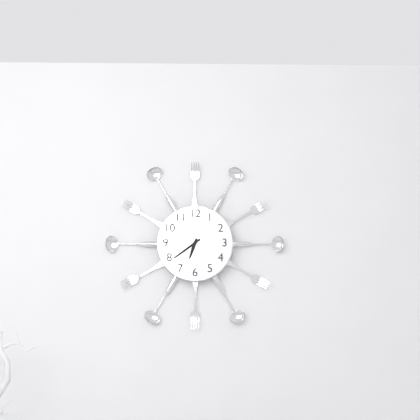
6:39
